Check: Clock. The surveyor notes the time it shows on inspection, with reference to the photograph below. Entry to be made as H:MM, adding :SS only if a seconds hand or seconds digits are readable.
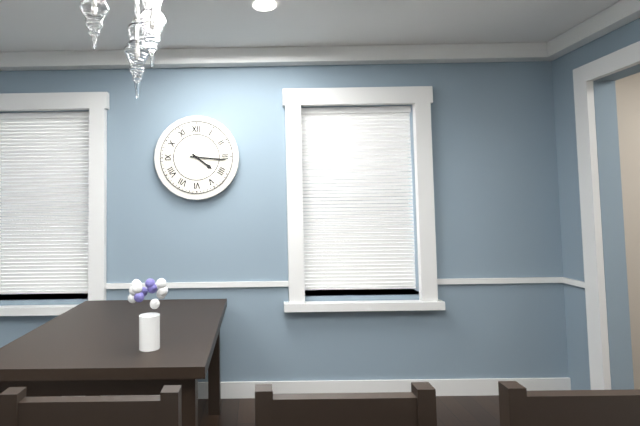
4:16
